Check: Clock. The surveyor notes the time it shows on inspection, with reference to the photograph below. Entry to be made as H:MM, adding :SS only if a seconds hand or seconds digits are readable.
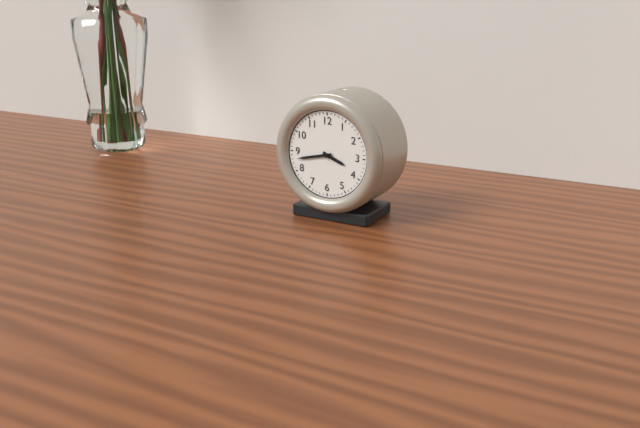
3:43
